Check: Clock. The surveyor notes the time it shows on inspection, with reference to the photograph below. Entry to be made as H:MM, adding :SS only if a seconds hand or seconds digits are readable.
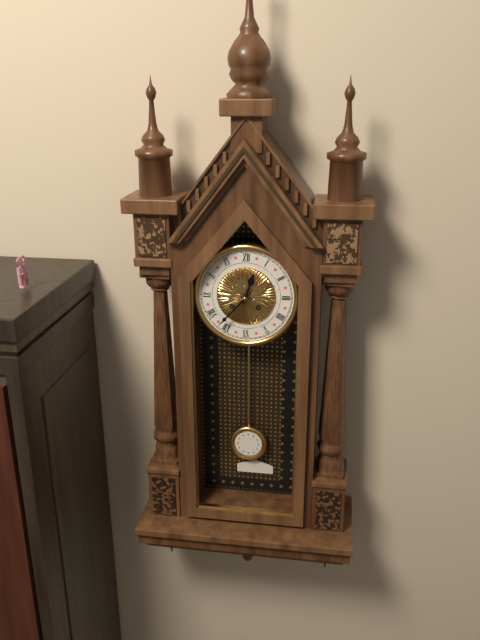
12:37
